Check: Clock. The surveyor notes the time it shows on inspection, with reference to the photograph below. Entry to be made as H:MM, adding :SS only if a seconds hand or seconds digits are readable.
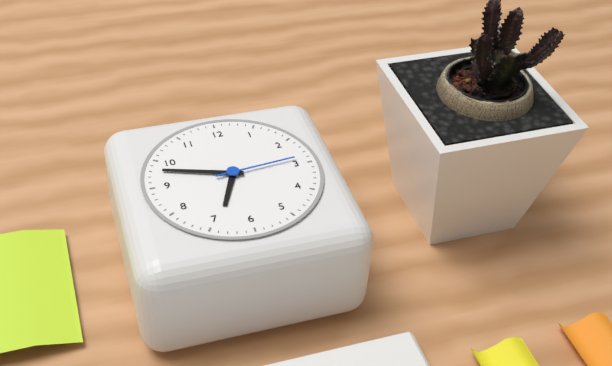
6:48:14
